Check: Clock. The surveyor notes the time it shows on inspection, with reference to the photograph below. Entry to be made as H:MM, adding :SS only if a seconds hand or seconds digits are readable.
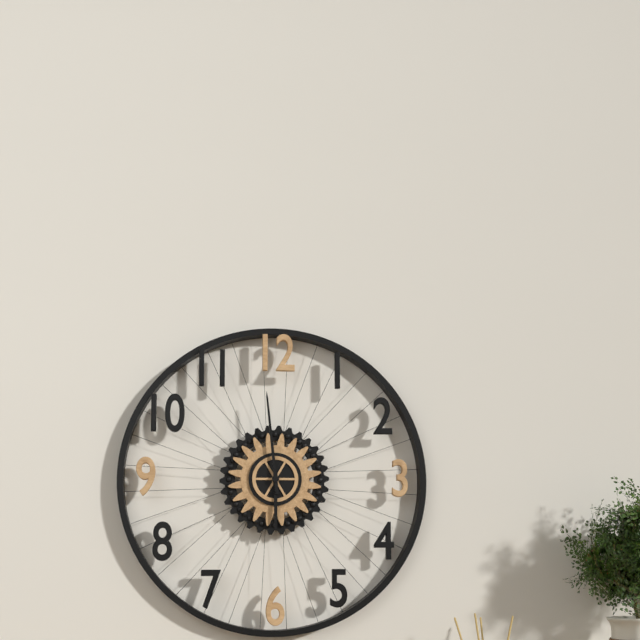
5:59
